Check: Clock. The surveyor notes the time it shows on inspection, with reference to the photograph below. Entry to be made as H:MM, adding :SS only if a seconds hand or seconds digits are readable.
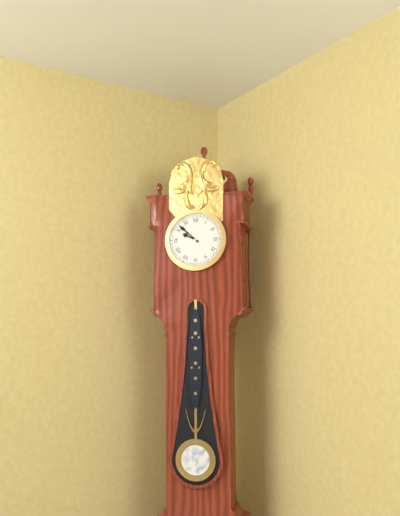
9:52
